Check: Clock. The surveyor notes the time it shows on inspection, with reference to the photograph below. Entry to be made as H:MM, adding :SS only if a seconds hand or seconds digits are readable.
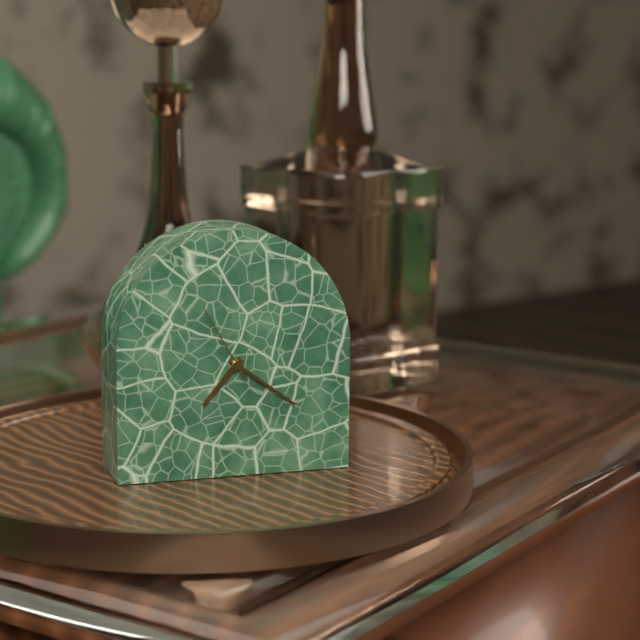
7:21:55
